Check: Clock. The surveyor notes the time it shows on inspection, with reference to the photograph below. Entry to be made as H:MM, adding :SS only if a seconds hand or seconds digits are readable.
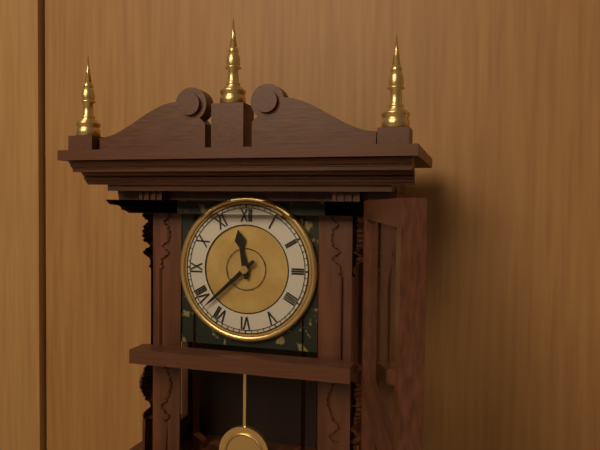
11:38
